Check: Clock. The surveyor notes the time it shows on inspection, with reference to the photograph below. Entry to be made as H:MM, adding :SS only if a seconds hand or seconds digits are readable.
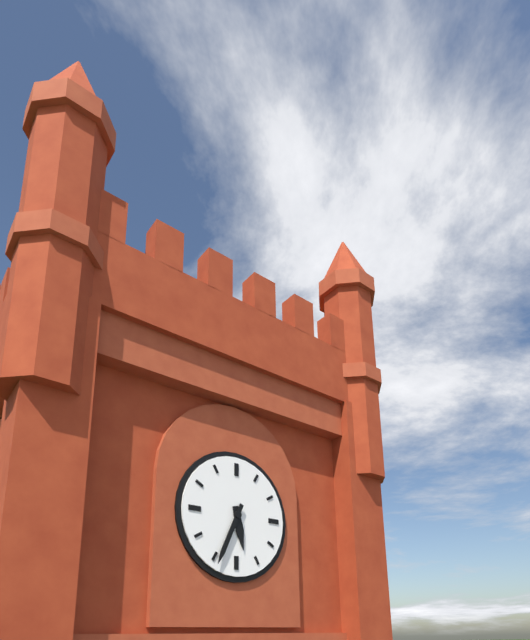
5:34
